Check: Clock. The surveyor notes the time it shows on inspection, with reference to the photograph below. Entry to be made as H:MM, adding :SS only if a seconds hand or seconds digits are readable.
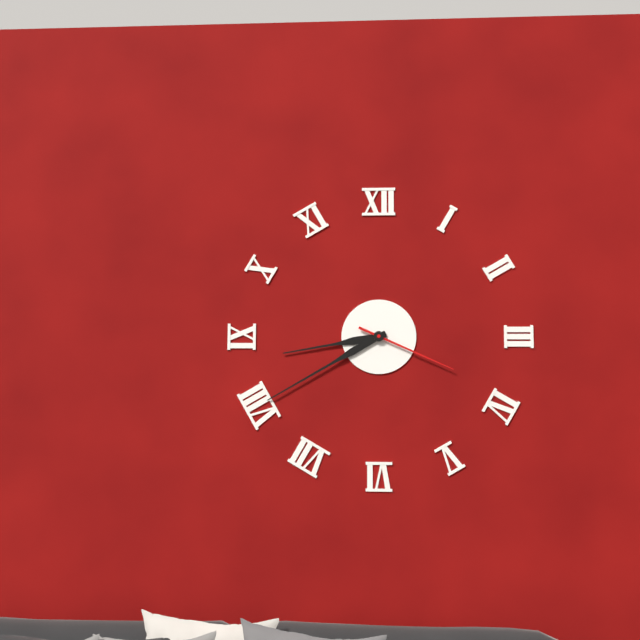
8:40:19
